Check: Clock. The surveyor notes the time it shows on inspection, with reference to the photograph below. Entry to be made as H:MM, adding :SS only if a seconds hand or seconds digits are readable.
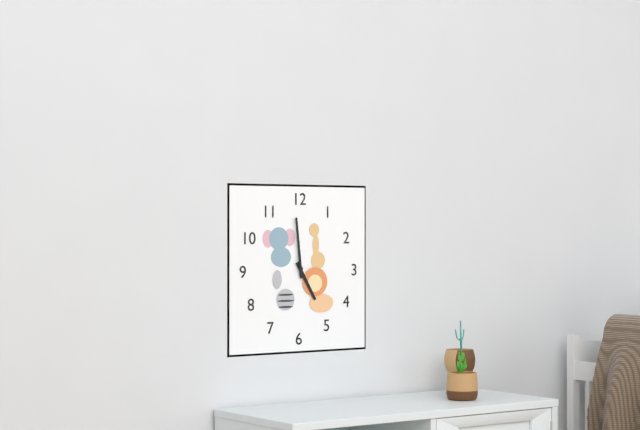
4:59
